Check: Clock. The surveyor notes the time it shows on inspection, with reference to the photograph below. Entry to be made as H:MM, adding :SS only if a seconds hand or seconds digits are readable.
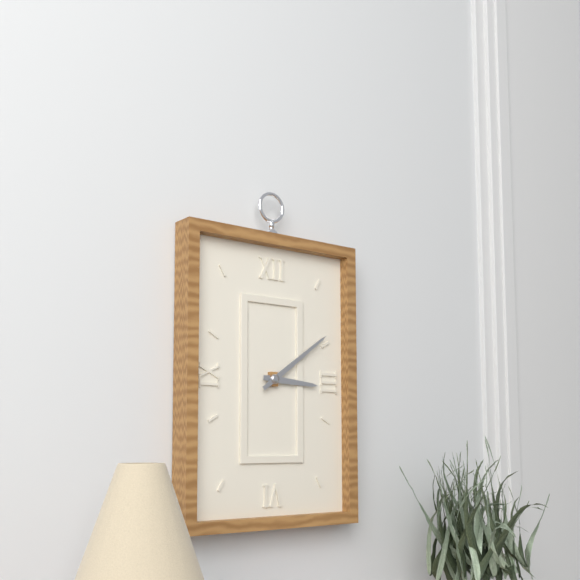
3:09
